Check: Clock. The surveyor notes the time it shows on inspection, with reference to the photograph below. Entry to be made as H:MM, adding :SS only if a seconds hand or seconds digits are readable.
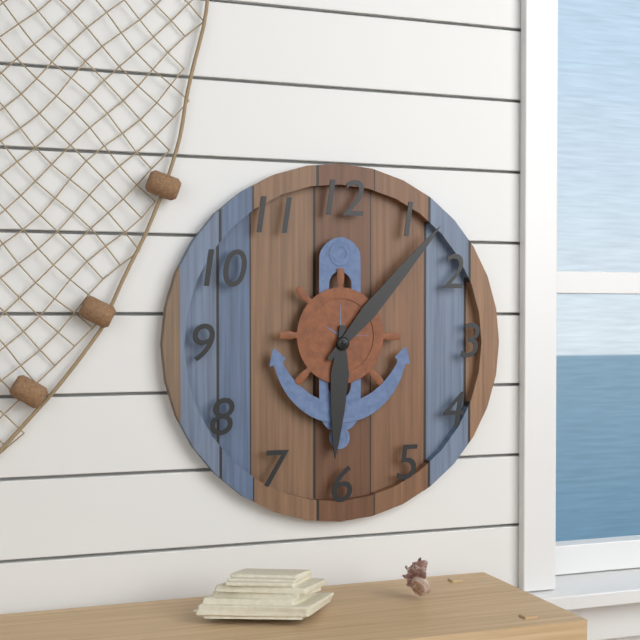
6:07
